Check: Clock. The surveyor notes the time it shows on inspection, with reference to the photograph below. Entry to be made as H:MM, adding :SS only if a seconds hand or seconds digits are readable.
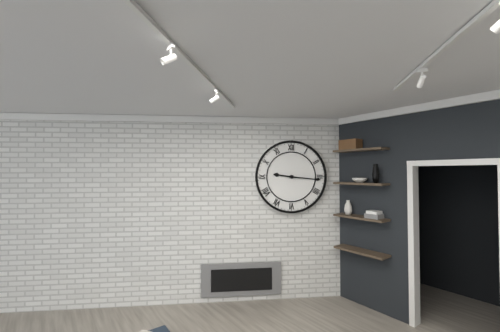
9:16
